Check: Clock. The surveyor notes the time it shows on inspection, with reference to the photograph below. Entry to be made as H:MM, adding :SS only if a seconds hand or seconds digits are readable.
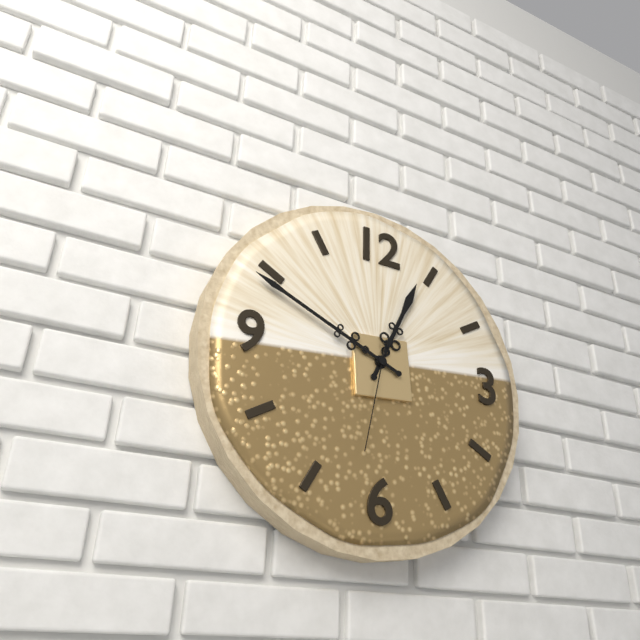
12:49:32
